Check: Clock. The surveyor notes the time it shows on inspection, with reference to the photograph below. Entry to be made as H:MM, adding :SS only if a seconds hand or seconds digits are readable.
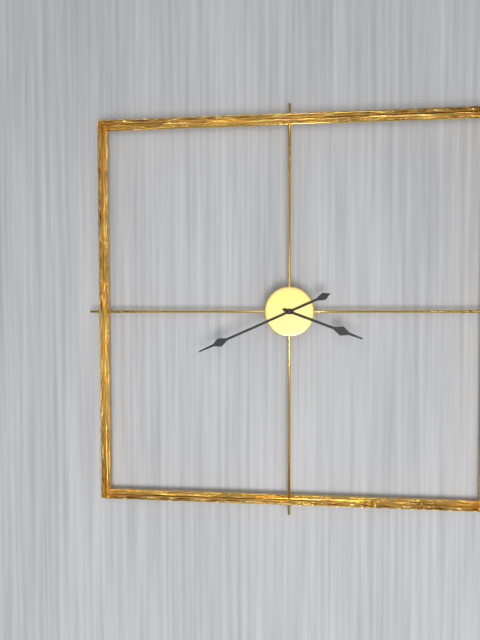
3:41
